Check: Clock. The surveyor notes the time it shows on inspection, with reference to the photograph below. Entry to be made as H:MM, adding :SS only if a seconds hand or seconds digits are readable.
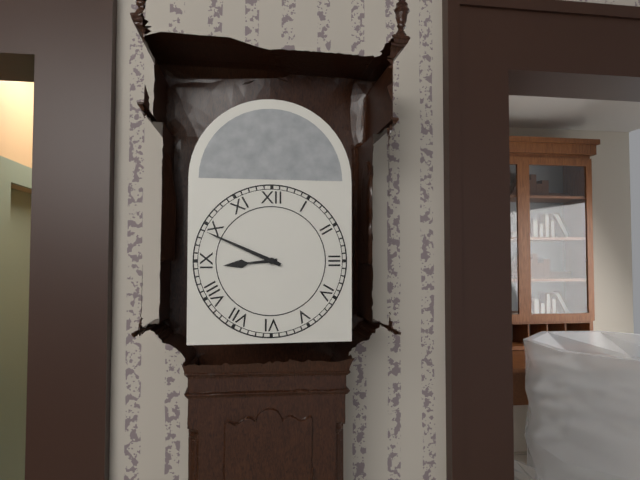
8:49
